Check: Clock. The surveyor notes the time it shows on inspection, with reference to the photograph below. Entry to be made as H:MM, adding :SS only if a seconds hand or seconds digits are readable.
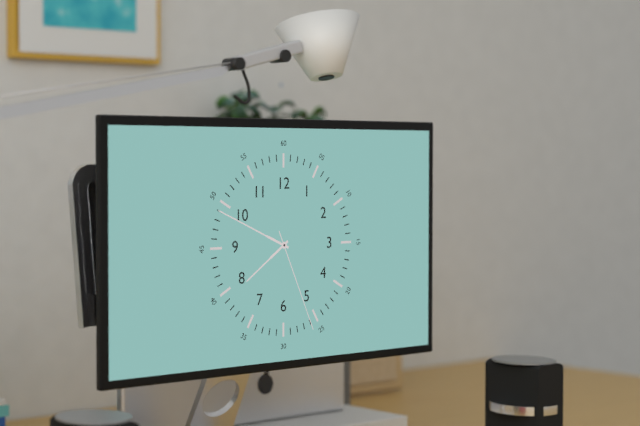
7:49:26
